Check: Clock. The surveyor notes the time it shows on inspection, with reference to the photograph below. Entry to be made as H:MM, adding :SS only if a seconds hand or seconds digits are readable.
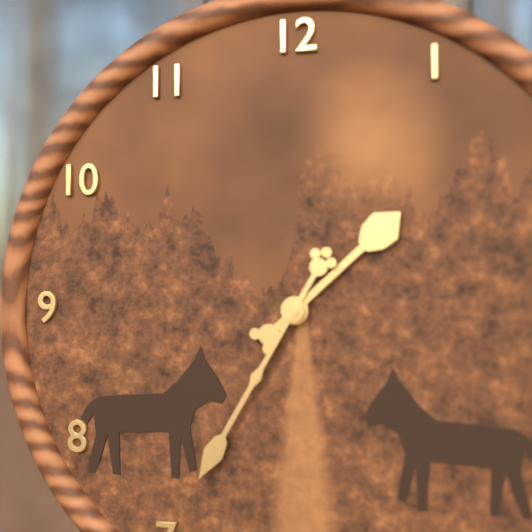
1:35
